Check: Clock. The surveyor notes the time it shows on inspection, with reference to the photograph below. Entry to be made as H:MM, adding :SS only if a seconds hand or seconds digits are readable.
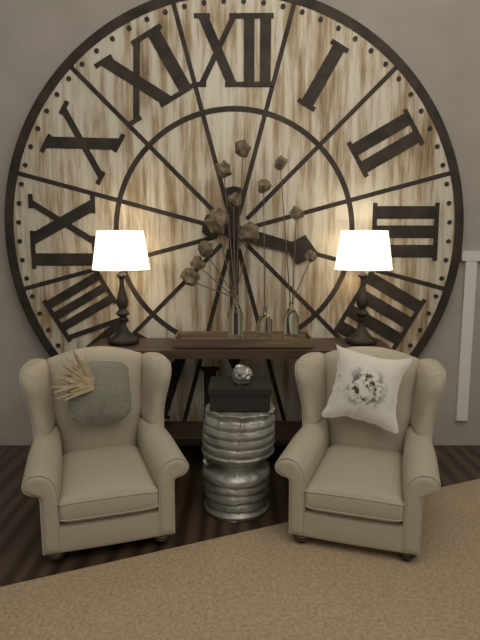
3:30
